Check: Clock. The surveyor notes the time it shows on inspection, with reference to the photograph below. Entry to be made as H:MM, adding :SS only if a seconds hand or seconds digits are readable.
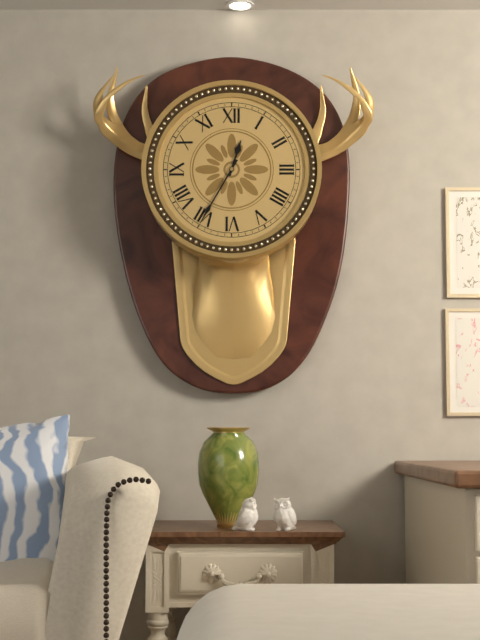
12:35
